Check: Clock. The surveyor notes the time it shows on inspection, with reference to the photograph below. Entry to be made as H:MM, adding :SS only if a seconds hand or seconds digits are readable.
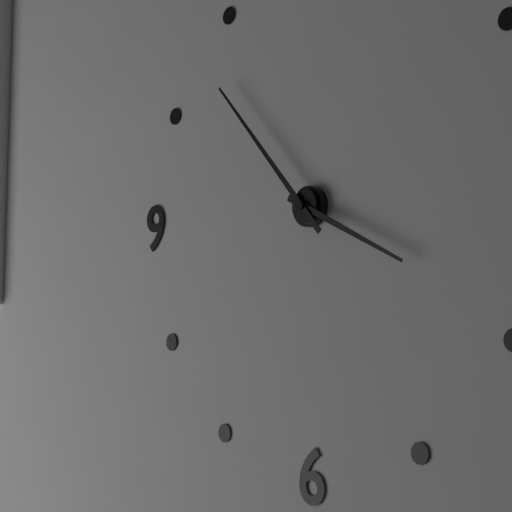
3:53
